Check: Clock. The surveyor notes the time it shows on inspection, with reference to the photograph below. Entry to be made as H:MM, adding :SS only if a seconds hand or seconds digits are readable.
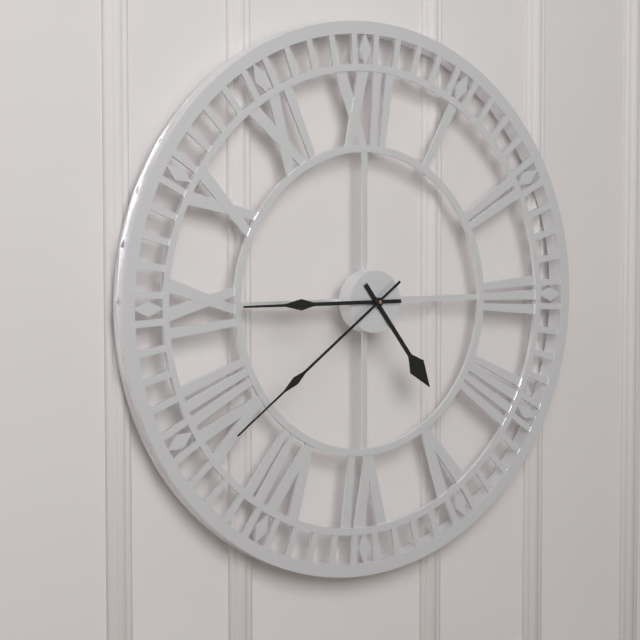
4:45:39
